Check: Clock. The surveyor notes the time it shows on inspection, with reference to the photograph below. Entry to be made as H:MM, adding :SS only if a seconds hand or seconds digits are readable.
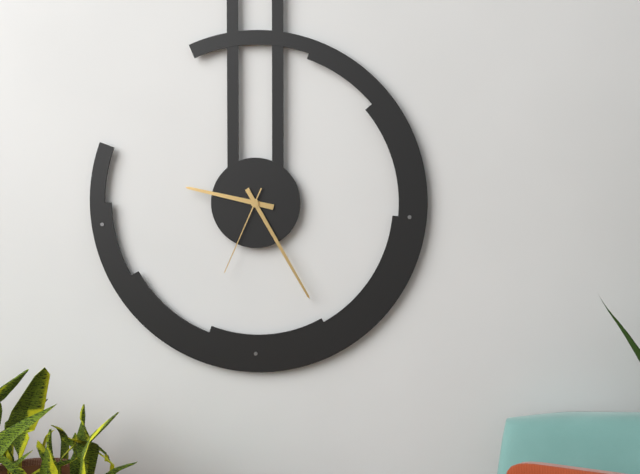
9:25:34
